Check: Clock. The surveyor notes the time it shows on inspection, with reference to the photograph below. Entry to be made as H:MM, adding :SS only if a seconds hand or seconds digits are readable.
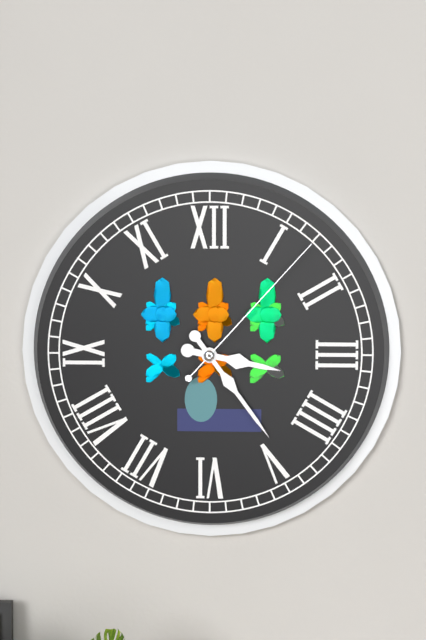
3:24:07
